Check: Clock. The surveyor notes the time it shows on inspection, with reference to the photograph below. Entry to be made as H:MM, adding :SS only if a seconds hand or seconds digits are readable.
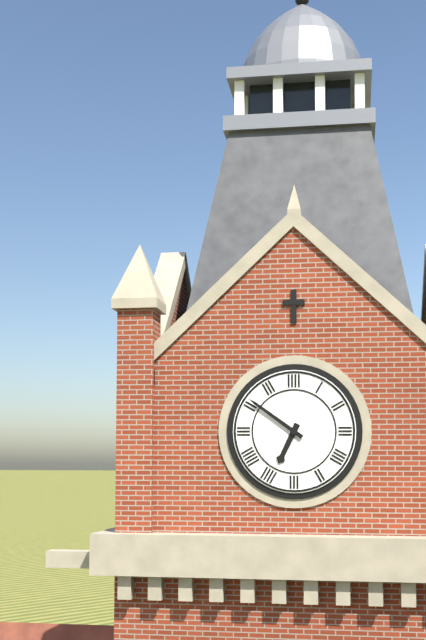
6:51
